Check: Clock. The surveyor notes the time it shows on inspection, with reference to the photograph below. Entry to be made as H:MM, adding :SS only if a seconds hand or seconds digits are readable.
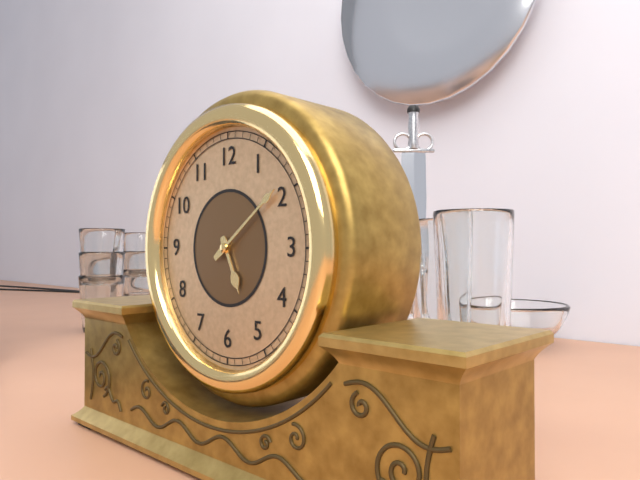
5:09
